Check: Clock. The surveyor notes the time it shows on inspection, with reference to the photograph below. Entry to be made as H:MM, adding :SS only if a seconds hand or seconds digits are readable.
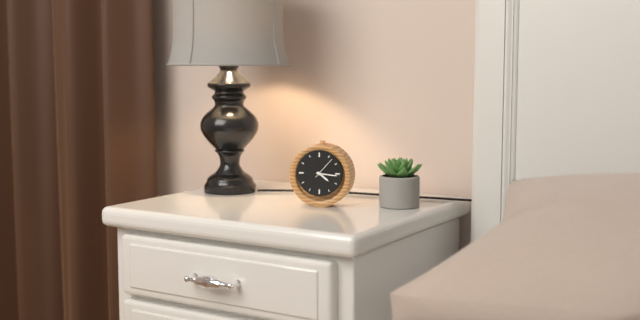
4:16
